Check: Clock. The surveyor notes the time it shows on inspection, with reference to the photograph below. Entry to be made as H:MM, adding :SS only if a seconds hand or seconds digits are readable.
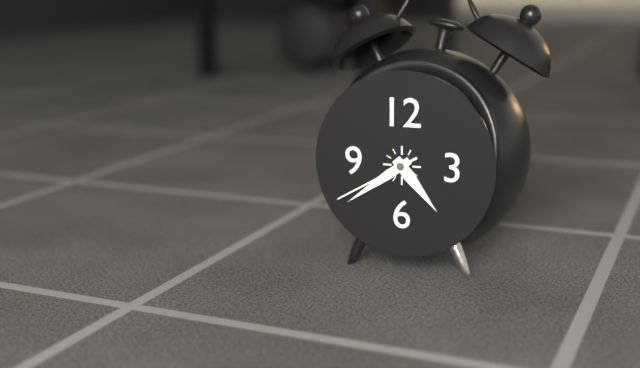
4:39:40
